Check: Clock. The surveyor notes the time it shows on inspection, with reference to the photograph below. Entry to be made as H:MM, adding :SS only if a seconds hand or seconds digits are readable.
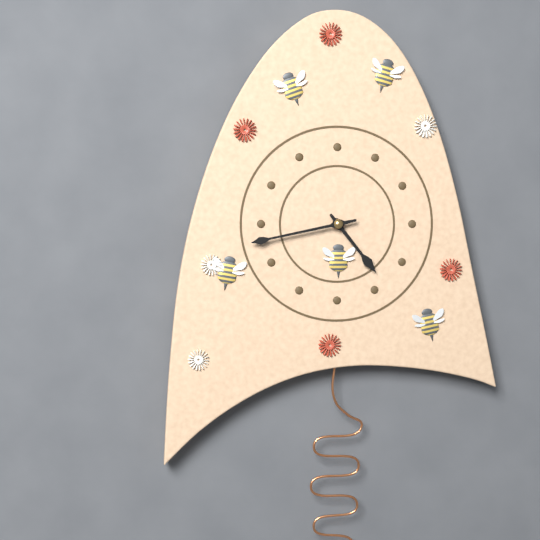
4:43
